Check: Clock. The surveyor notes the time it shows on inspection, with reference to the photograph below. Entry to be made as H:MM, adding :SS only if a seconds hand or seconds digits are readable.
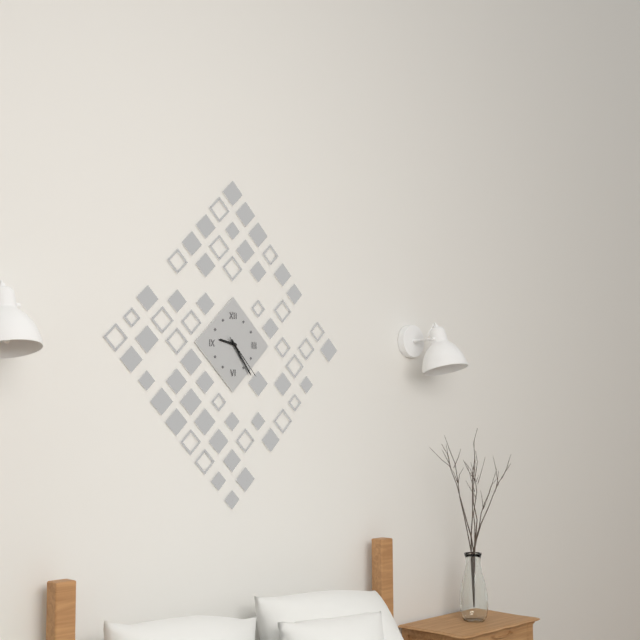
9:24
